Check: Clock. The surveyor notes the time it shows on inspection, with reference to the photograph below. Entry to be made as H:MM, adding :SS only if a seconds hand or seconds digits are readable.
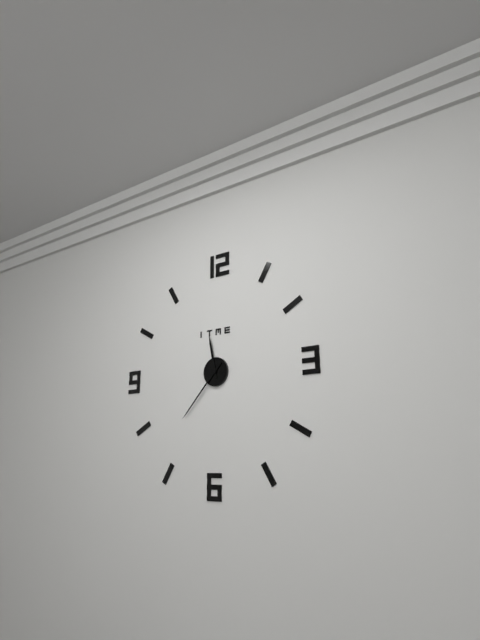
11:37
